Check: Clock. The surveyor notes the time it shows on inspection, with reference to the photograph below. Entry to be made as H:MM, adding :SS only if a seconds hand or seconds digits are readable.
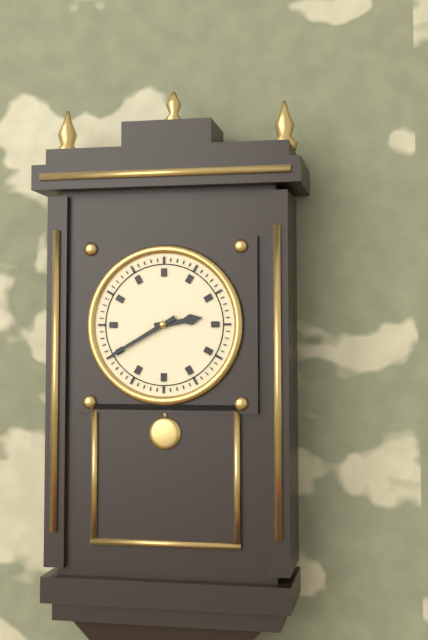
2:40
